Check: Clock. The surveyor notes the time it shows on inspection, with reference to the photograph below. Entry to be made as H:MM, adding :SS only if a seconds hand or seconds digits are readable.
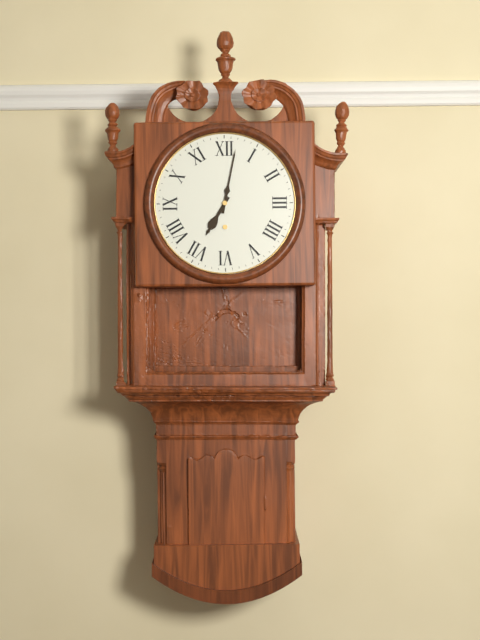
7:02
